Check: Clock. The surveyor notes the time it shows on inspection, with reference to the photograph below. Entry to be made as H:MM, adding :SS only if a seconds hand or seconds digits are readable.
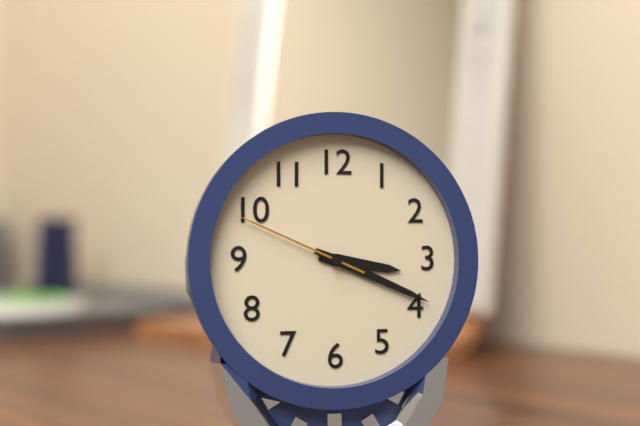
3:19:49
